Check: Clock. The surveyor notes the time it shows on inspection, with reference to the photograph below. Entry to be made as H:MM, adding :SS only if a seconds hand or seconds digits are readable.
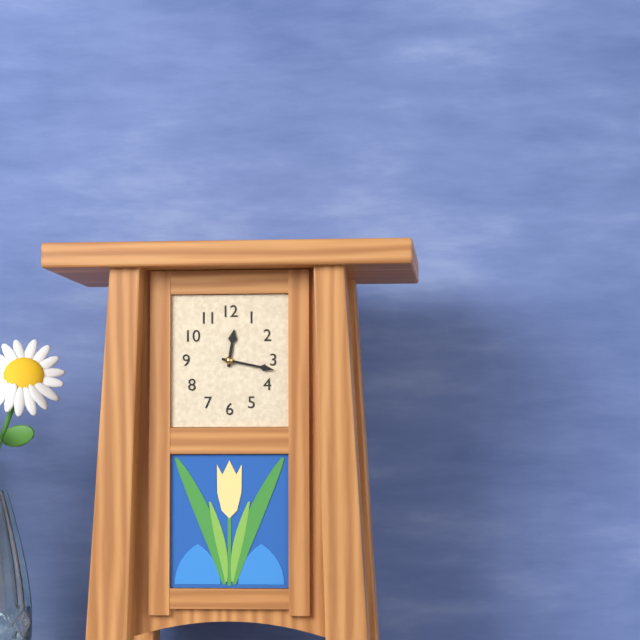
12:17
